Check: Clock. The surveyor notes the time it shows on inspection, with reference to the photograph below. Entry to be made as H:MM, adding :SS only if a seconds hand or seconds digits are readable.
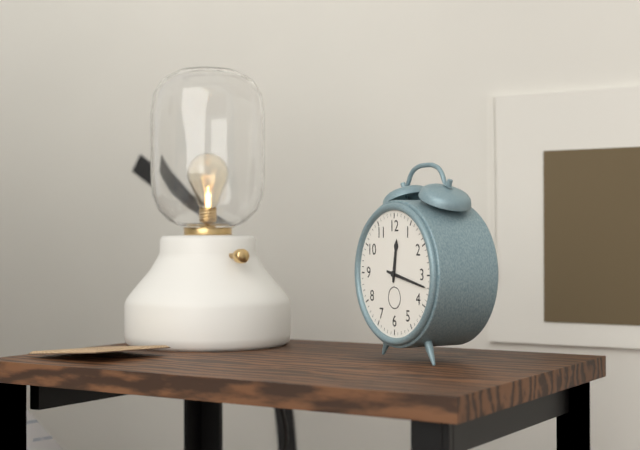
12:17
